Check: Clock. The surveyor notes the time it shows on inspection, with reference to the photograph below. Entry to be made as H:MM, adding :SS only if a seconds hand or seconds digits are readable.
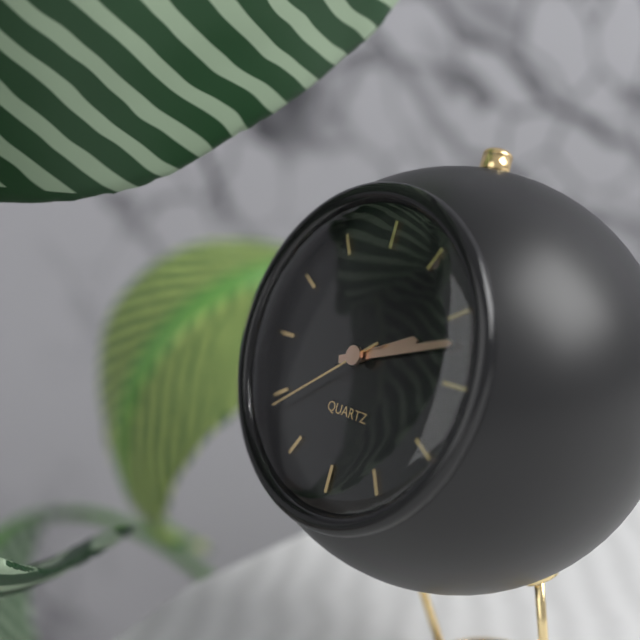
2:12:39
